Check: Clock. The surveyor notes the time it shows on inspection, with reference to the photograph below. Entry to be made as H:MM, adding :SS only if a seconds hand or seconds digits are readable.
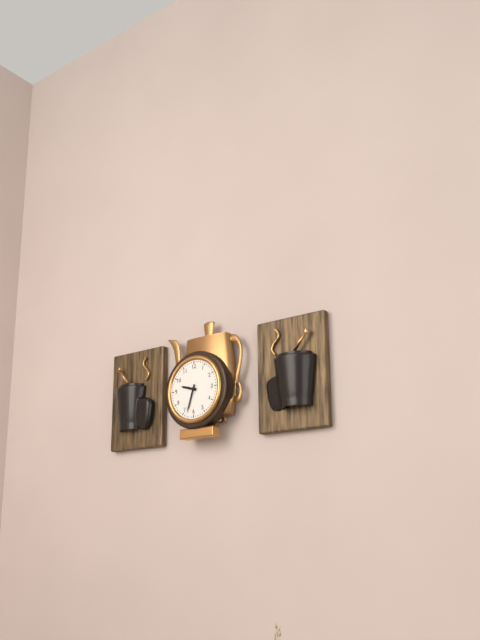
9:33
